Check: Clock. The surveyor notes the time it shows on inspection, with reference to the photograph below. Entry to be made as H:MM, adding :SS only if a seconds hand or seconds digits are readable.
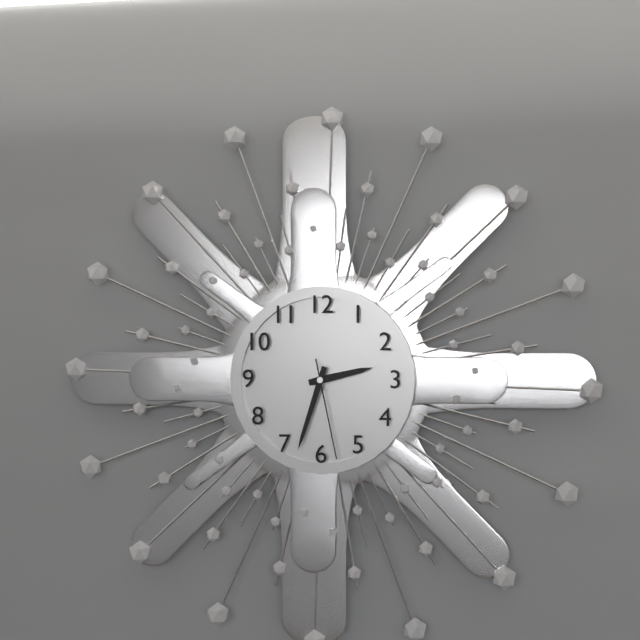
2:33:28
